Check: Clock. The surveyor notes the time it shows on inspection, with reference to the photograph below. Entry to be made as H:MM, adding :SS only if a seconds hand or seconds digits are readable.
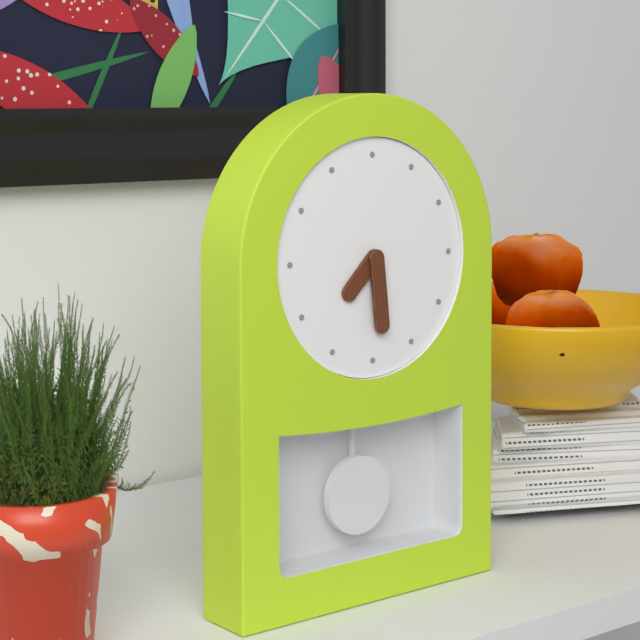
7:29
